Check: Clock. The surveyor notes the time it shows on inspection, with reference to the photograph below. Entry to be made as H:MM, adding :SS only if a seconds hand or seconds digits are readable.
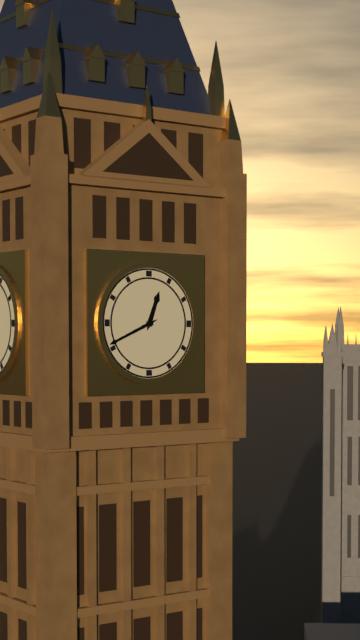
12:41
